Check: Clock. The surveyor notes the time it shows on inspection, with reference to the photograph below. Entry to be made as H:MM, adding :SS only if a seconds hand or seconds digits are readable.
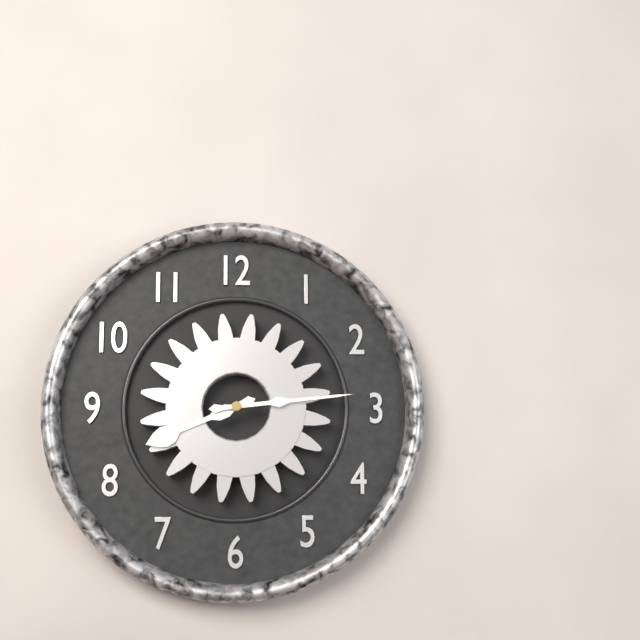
8:14
